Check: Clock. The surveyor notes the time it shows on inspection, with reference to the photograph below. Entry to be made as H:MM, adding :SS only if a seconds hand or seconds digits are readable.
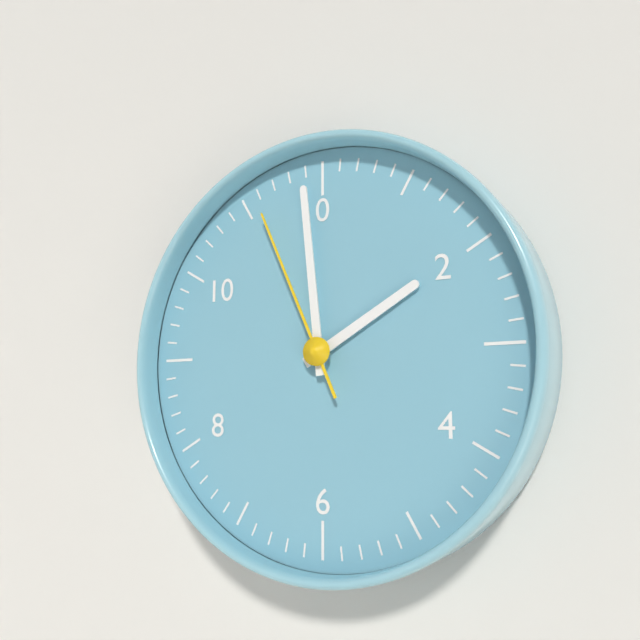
1:59:56
